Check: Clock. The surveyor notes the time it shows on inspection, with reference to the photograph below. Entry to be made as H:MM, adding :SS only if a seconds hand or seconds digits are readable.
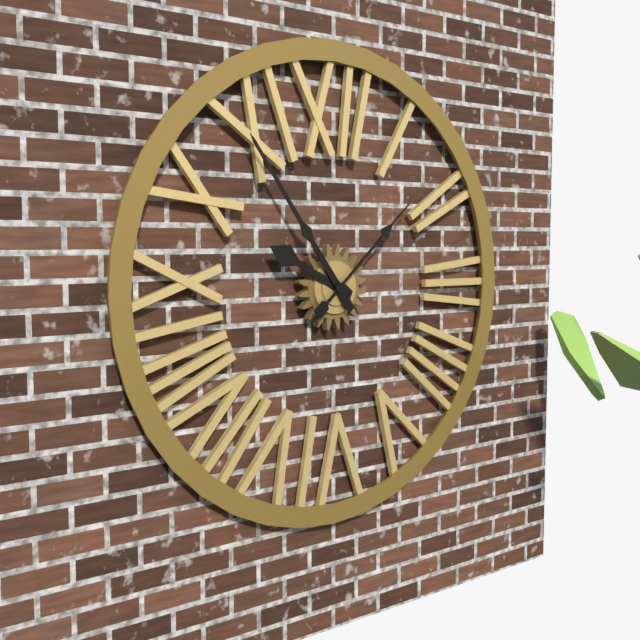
9:54:08
